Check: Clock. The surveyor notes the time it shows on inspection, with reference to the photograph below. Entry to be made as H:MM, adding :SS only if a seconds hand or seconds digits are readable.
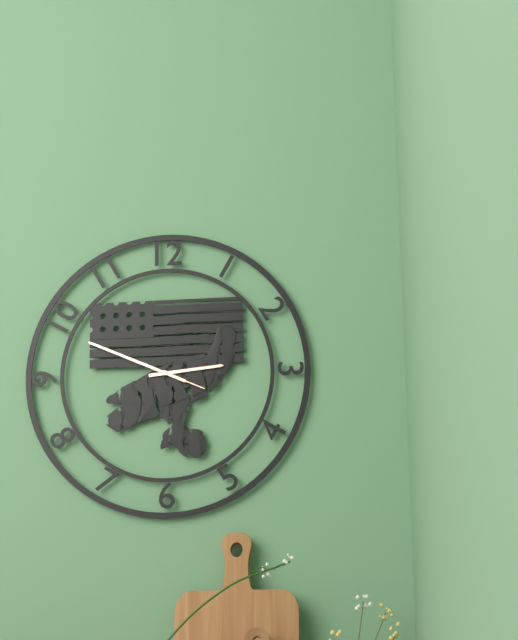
2:49:49
